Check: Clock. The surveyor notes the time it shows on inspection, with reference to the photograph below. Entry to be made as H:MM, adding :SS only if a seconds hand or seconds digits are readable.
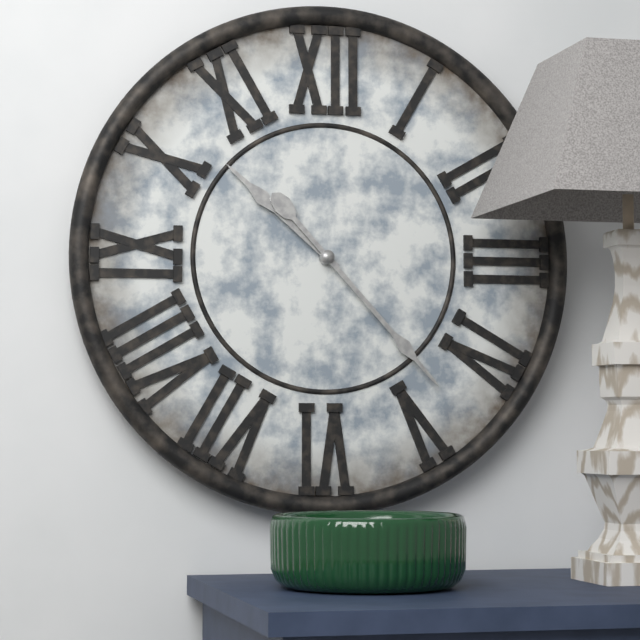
10:23
